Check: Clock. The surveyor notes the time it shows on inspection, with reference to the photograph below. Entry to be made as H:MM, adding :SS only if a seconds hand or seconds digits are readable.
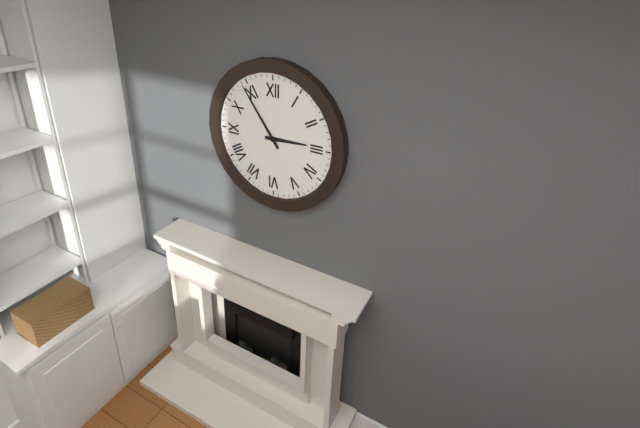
2:54
